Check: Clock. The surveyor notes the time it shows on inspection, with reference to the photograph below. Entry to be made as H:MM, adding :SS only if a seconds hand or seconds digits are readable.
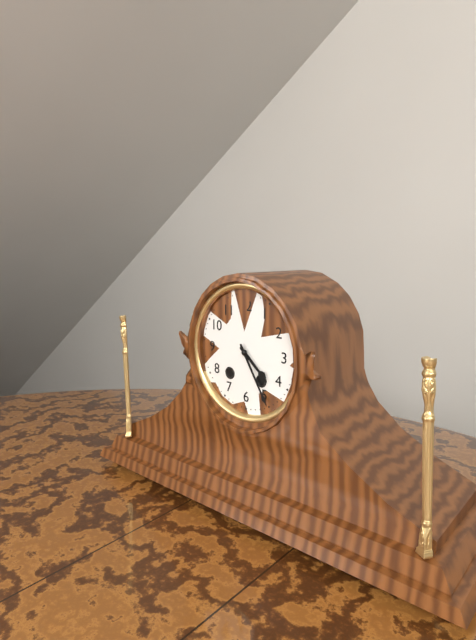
4:25
